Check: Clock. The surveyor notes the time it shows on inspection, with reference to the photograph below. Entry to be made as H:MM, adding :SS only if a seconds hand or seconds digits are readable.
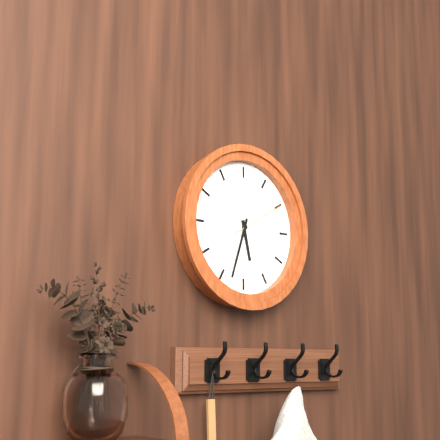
5:33:10
